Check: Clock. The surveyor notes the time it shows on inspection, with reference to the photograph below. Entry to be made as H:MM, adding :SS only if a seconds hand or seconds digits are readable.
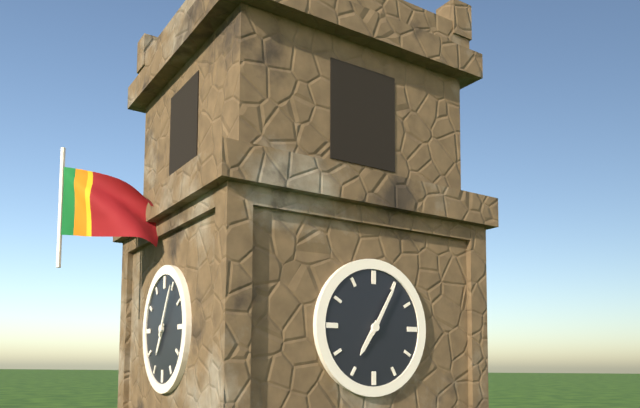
7:05
